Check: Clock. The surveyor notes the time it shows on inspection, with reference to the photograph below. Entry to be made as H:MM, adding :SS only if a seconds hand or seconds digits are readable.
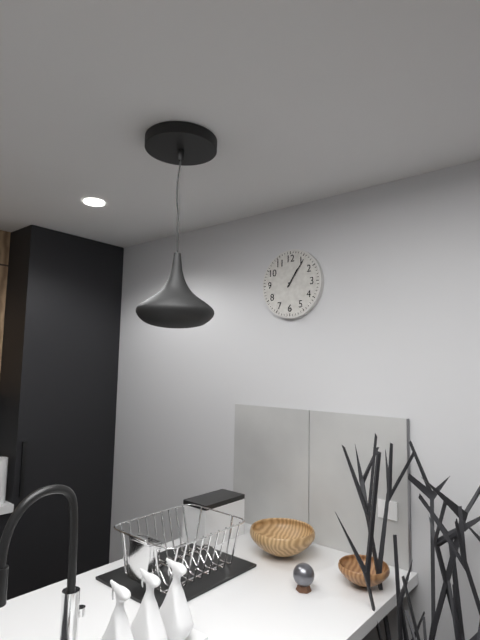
1:06
